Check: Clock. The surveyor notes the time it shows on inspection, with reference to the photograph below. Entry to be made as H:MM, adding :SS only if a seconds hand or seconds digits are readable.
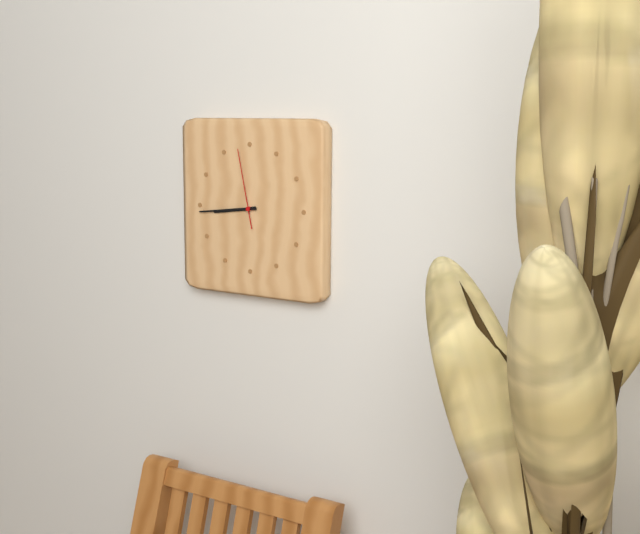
8:44:58
